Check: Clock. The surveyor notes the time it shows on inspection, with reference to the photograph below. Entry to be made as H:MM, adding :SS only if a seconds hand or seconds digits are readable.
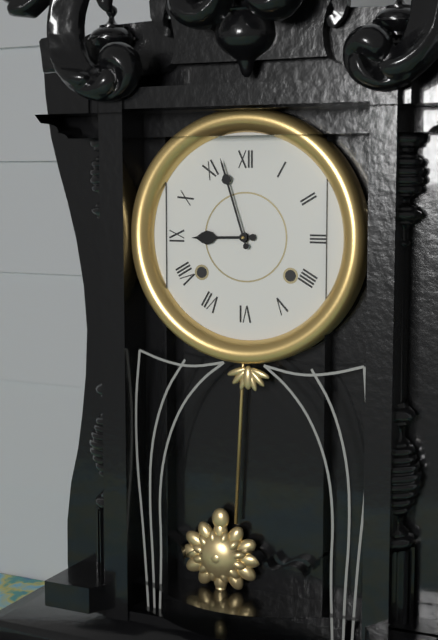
8:57
